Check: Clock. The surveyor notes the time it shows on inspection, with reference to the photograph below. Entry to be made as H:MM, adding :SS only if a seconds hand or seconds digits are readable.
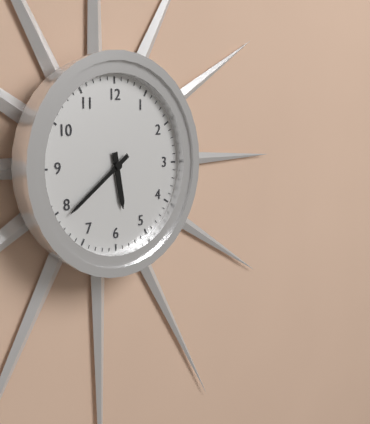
5:39
